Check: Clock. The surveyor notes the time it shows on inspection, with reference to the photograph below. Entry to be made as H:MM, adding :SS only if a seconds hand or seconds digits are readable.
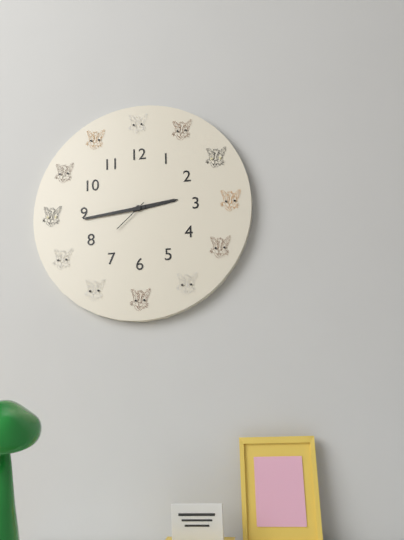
2:44
